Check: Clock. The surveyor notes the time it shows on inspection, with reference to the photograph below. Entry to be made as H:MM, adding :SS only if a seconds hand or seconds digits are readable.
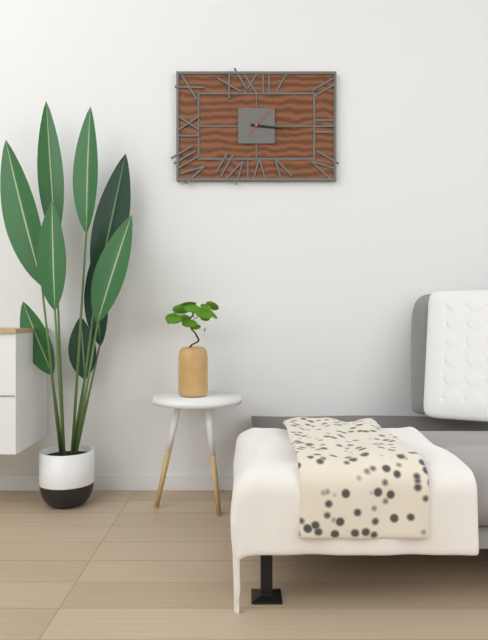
3:16
